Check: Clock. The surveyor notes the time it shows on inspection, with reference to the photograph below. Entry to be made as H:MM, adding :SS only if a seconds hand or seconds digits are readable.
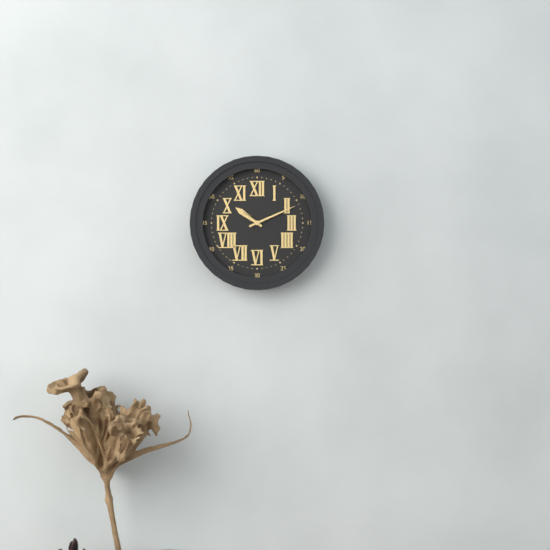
10:11
